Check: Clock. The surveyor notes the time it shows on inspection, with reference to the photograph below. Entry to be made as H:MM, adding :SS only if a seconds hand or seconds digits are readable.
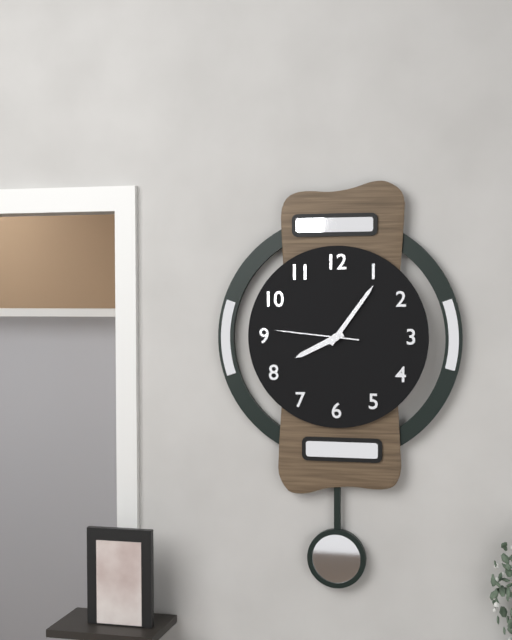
8:06:46
